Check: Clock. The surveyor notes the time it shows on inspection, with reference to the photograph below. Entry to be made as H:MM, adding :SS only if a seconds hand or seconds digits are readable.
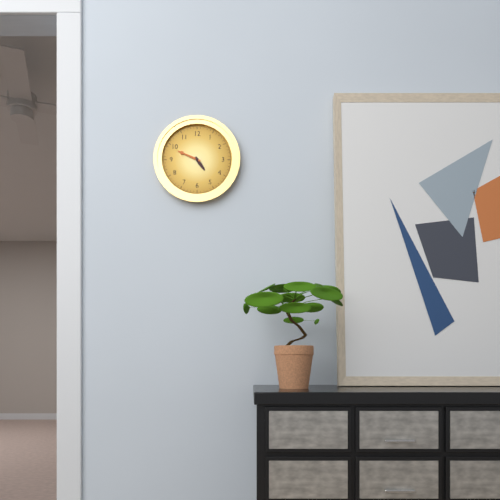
4:49
